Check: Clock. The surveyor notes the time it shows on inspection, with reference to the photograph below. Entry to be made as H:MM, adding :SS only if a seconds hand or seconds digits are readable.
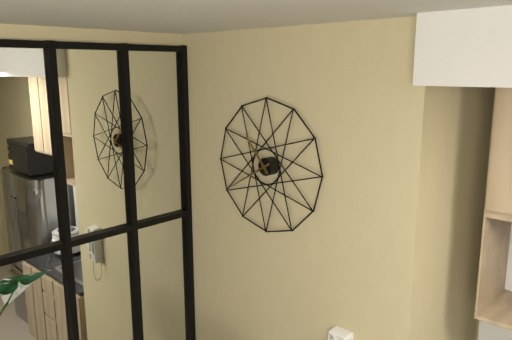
10:40
